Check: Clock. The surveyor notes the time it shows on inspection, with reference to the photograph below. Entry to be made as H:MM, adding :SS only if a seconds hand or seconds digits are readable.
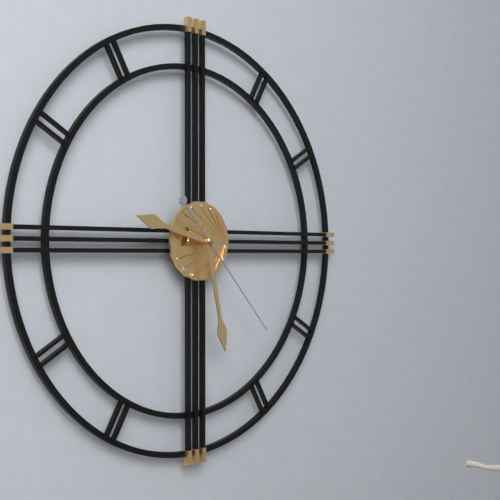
9:28:23
